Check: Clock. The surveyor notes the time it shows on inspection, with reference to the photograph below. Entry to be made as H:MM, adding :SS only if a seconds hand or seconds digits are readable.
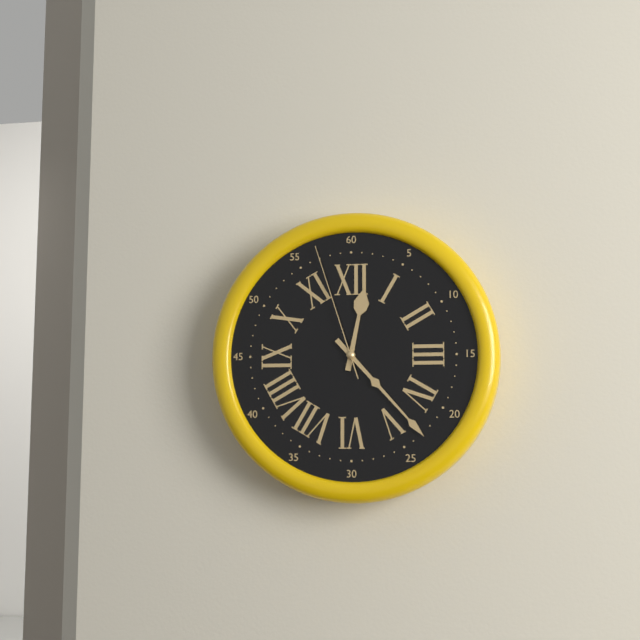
12:23:57
